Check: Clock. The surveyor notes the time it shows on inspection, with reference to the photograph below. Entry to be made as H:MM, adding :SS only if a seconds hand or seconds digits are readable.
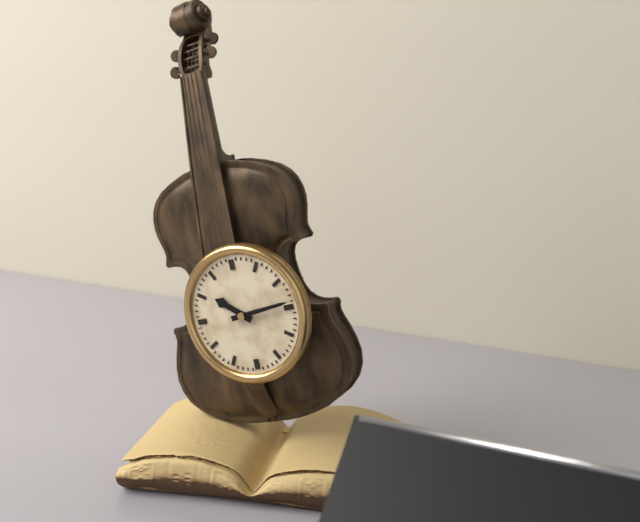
10:14
